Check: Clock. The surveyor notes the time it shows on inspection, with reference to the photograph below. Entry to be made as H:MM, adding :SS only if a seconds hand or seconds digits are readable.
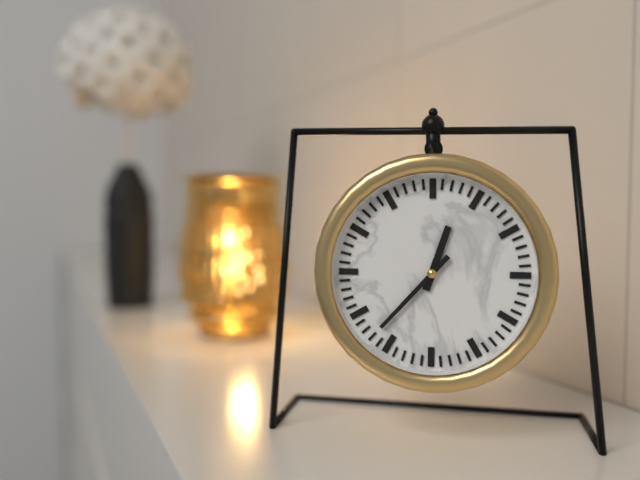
12:37
